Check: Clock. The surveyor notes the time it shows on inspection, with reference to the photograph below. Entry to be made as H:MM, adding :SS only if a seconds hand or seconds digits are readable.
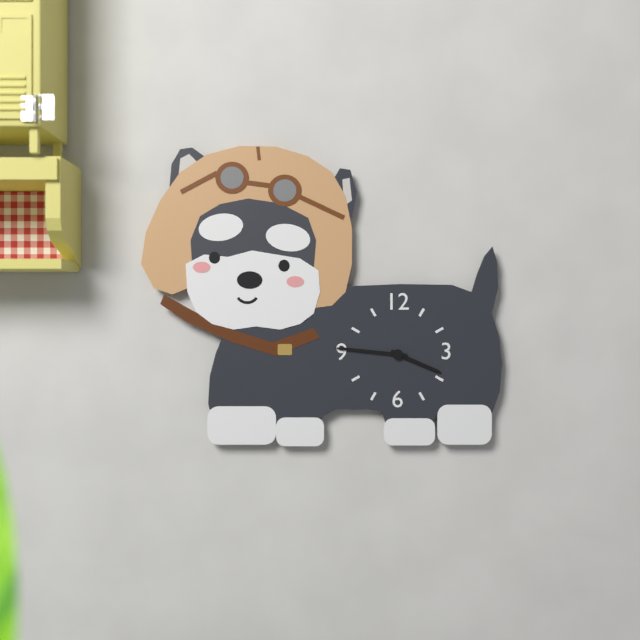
3:46
